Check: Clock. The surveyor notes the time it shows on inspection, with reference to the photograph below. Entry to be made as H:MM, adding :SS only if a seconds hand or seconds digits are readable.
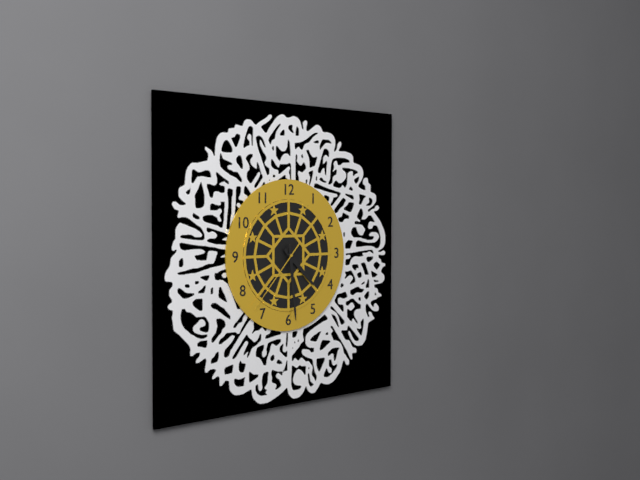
4:29:37
